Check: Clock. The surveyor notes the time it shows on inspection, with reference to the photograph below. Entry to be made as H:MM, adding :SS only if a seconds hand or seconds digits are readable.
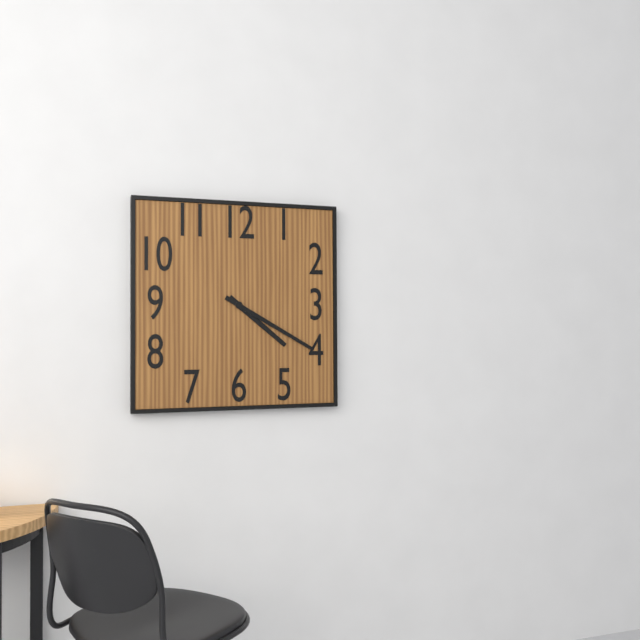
4:20
